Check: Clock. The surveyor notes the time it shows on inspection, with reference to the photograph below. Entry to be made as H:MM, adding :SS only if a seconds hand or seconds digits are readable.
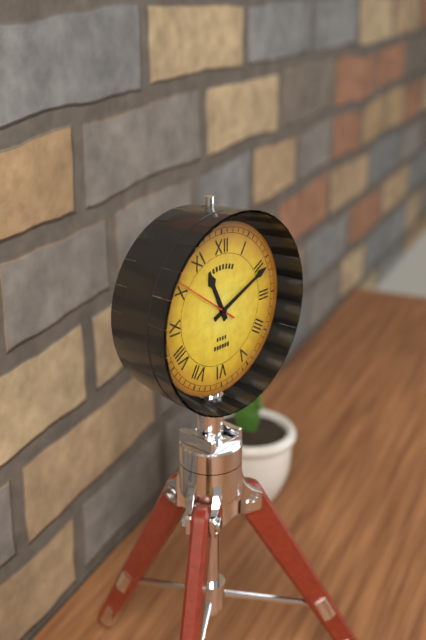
11:11:51
